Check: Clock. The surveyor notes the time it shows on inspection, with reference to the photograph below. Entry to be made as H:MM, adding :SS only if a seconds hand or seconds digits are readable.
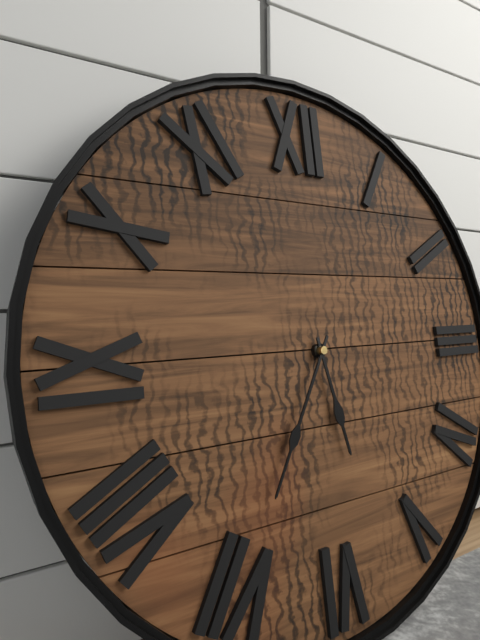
5:35
